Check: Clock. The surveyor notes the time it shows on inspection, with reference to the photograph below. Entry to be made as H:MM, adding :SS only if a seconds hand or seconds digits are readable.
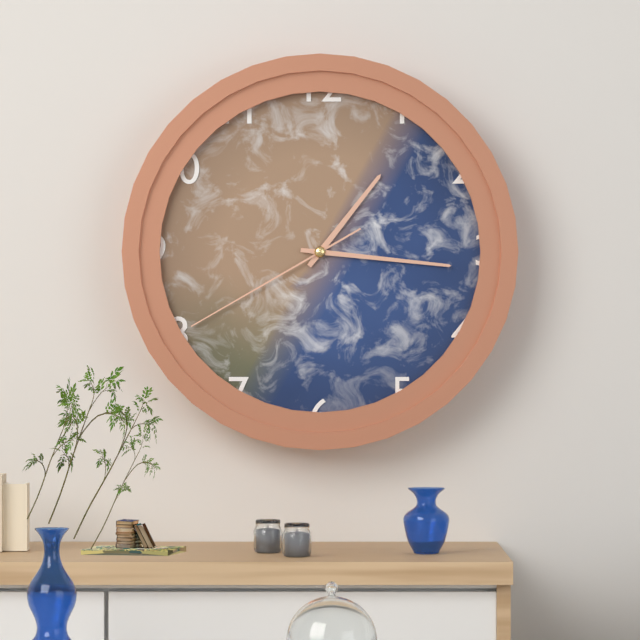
1:16:40
